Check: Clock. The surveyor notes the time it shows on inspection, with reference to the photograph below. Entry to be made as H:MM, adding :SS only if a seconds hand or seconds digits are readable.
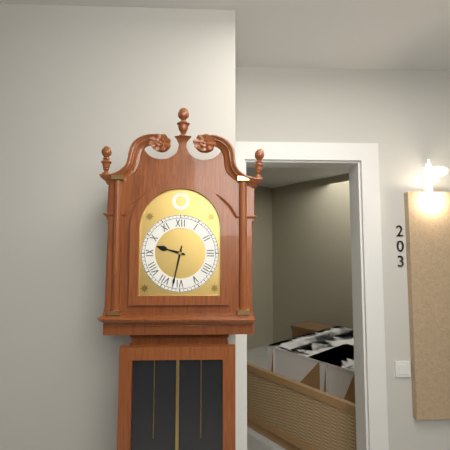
9:32
